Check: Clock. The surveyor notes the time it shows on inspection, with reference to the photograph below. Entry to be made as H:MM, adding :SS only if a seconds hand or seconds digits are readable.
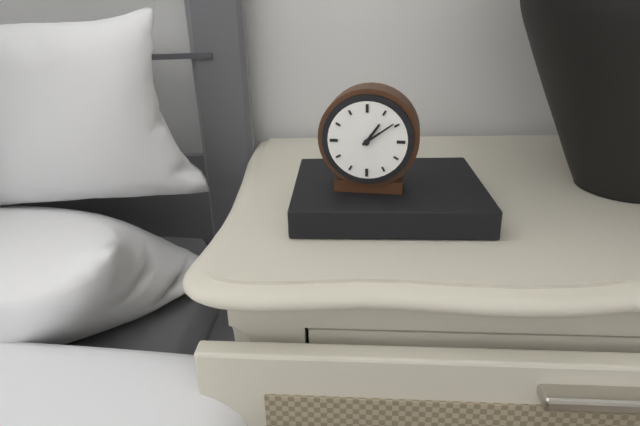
1:09
